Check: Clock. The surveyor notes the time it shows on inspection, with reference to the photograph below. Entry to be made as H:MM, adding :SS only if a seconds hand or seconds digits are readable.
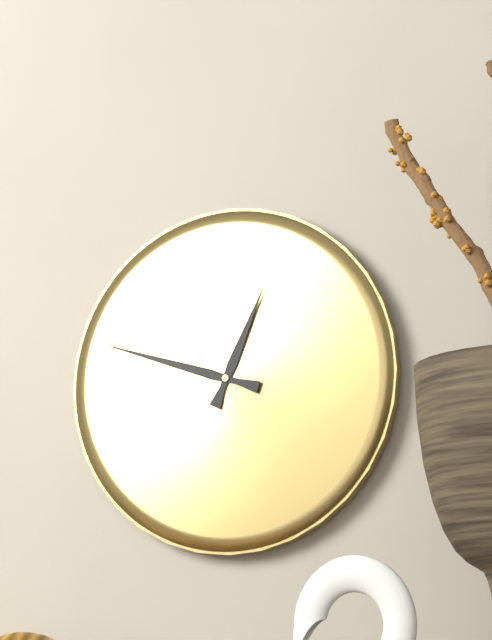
12:48
